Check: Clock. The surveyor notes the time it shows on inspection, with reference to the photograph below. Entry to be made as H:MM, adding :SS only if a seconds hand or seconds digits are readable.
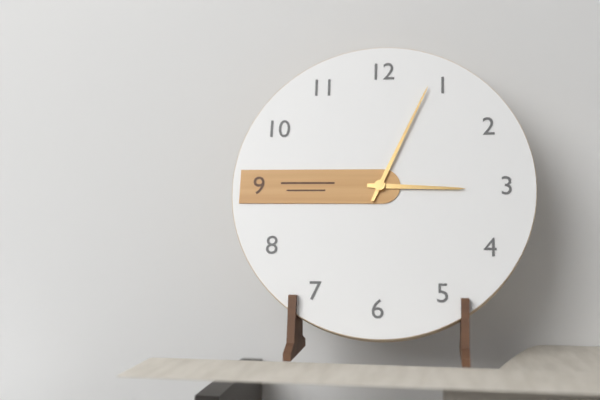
3:04
